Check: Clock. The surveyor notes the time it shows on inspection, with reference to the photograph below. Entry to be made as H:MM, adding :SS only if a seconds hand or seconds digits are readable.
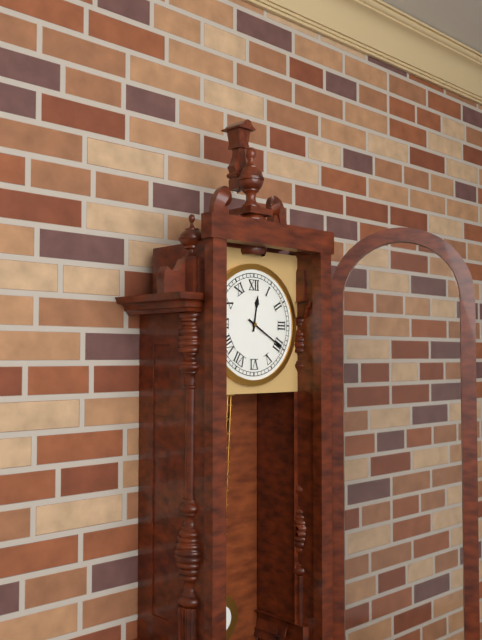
12:20
